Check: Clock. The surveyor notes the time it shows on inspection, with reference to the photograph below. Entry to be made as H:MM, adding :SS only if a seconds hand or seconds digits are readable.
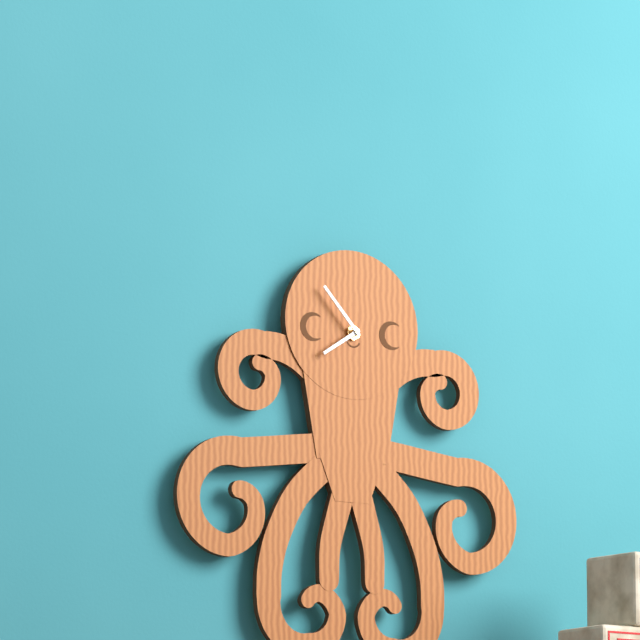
7:53
